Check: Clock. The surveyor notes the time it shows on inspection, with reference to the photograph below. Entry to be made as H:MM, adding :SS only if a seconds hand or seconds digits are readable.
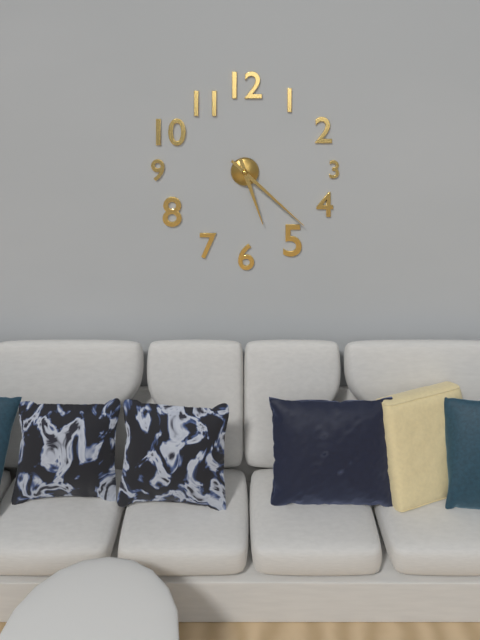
5:22
